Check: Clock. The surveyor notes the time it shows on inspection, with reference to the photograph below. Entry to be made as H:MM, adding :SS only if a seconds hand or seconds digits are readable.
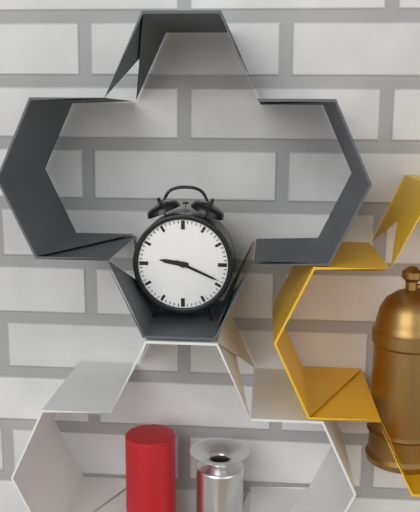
9:19
